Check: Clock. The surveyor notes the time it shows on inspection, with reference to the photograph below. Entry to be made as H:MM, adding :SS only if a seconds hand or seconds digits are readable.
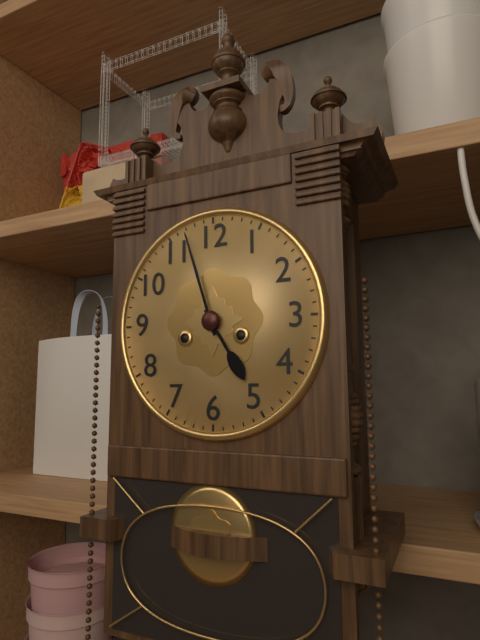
4:57
